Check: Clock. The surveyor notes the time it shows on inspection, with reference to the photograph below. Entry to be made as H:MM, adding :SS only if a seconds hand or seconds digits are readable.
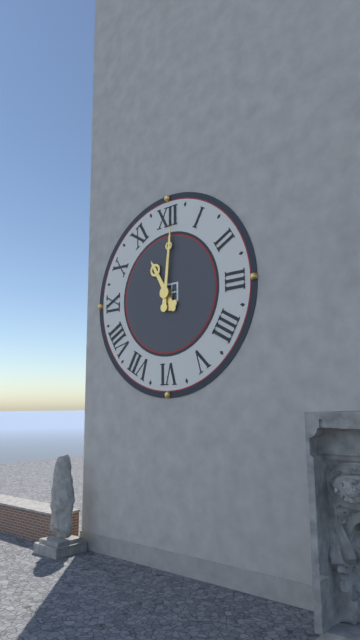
11:01
